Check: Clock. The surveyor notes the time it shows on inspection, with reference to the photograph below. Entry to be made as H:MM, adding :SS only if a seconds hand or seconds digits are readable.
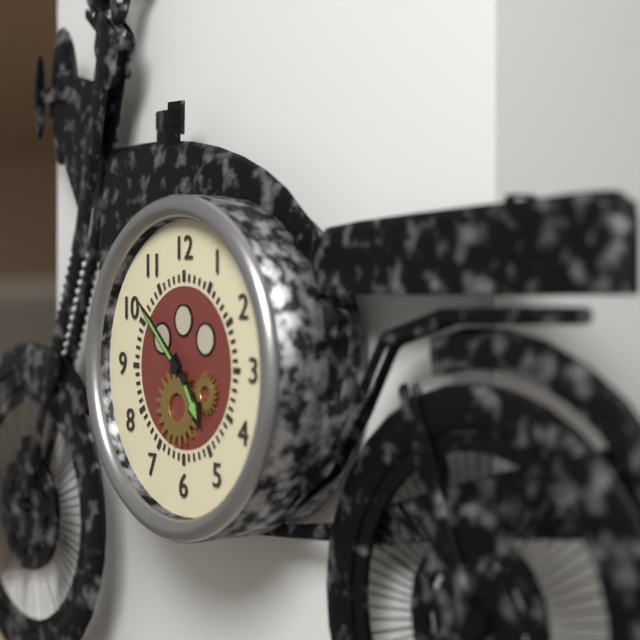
4:52
